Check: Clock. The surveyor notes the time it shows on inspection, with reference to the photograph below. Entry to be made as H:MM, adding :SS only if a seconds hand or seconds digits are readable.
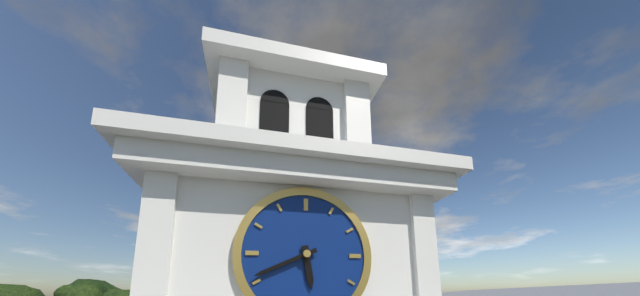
5:41
